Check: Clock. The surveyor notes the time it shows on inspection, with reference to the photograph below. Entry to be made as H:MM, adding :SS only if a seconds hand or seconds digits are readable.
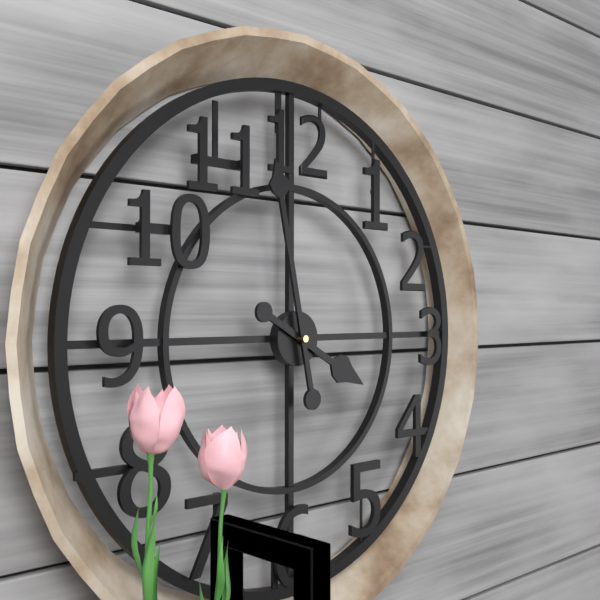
3:58
